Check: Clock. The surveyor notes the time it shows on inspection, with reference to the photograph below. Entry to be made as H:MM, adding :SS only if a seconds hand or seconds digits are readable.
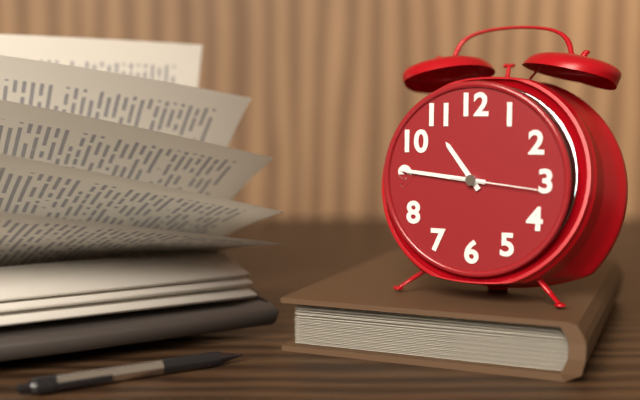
10:46:16
